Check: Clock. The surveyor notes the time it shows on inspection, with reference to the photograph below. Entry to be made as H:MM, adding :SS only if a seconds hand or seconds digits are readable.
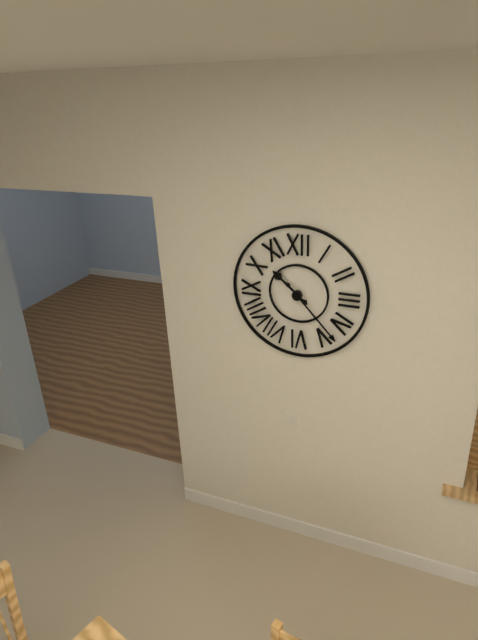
10:23
